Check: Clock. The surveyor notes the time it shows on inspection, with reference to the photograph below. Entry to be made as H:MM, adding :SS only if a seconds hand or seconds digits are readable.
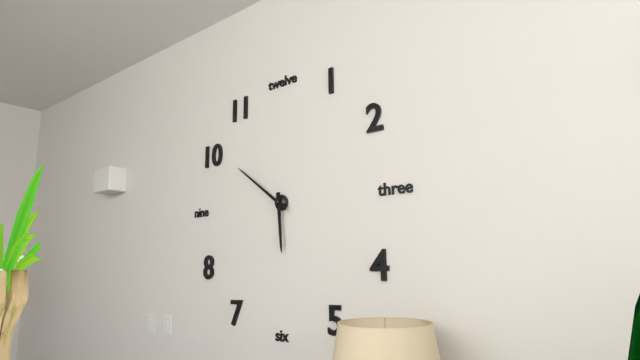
5:51
